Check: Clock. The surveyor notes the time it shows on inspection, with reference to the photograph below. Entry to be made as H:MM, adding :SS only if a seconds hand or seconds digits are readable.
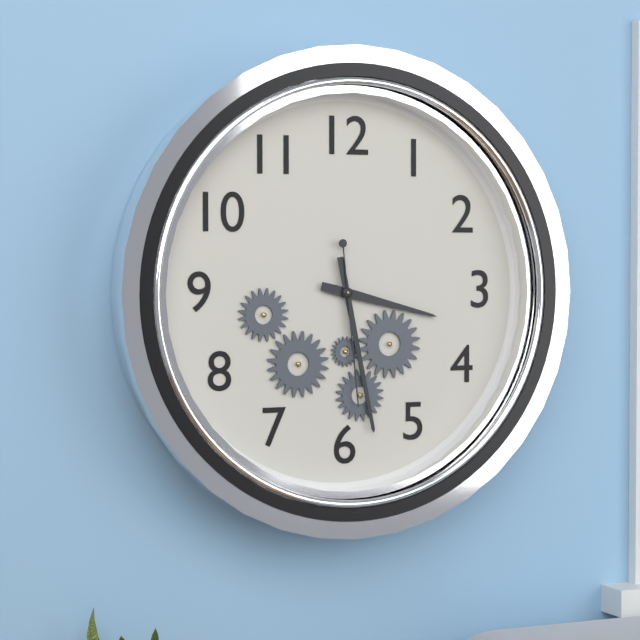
3:28:29
